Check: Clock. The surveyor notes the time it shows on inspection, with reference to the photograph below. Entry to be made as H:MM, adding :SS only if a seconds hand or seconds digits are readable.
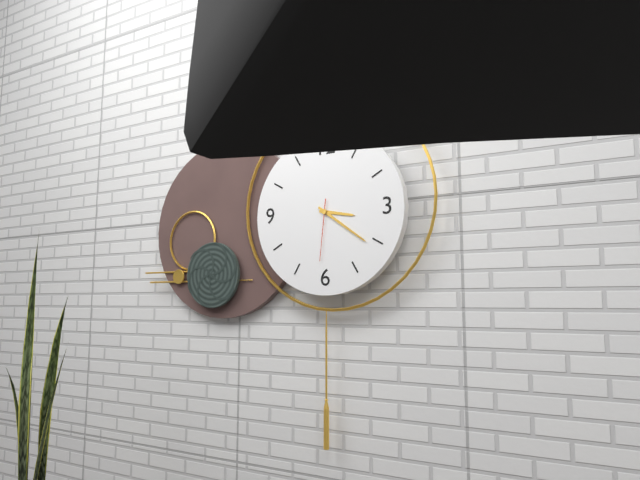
3:21:31
